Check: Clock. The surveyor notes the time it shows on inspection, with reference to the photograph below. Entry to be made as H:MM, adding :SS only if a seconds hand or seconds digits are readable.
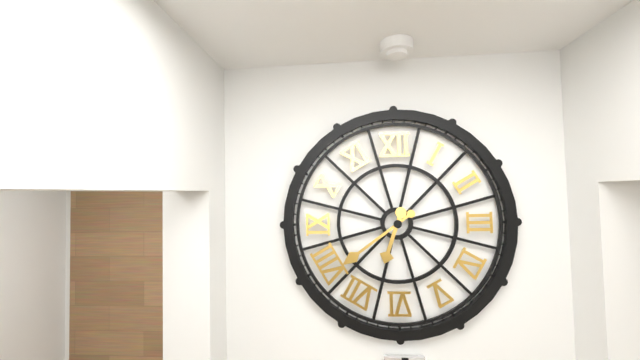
6:39
